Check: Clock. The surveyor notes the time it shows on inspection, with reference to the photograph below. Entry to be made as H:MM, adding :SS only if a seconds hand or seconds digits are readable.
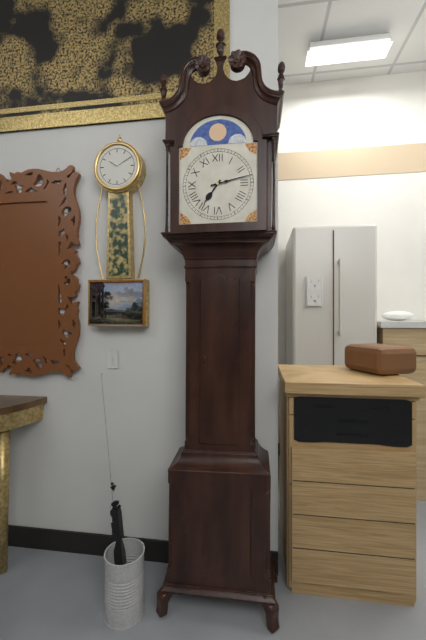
7:13
